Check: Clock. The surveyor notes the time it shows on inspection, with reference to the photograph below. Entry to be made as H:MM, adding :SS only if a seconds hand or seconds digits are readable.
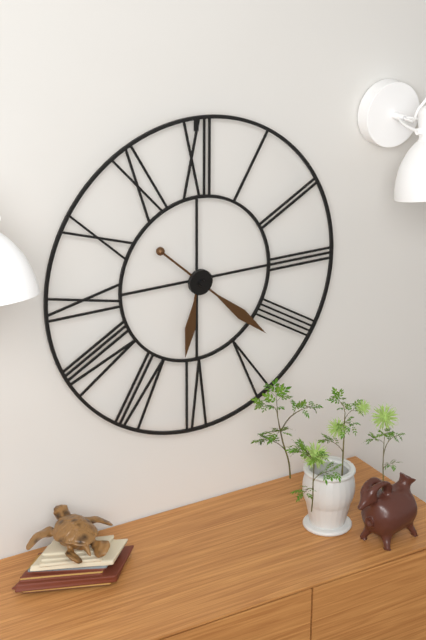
6:22
